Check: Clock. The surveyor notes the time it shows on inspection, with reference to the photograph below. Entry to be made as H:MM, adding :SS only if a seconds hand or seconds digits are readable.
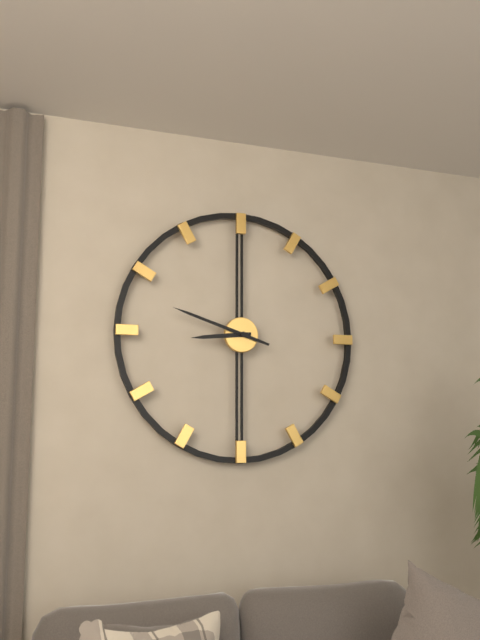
8:48
